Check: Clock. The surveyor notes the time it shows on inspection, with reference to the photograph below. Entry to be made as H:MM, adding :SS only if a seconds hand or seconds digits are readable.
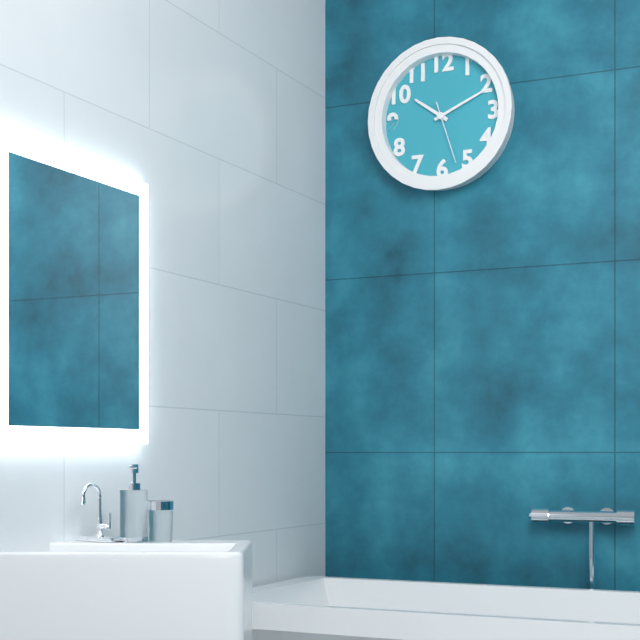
10:11:27
